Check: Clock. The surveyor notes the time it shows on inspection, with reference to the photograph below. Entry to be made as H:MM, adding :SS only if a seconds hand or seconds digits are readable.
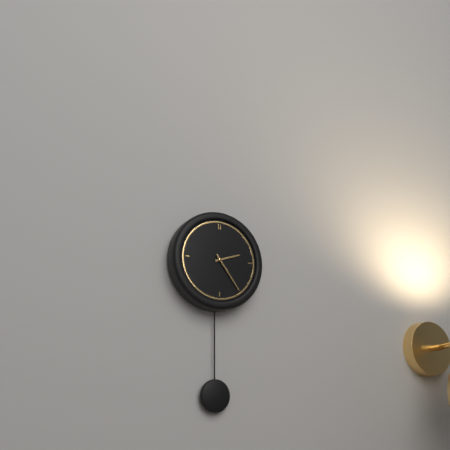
2:24
